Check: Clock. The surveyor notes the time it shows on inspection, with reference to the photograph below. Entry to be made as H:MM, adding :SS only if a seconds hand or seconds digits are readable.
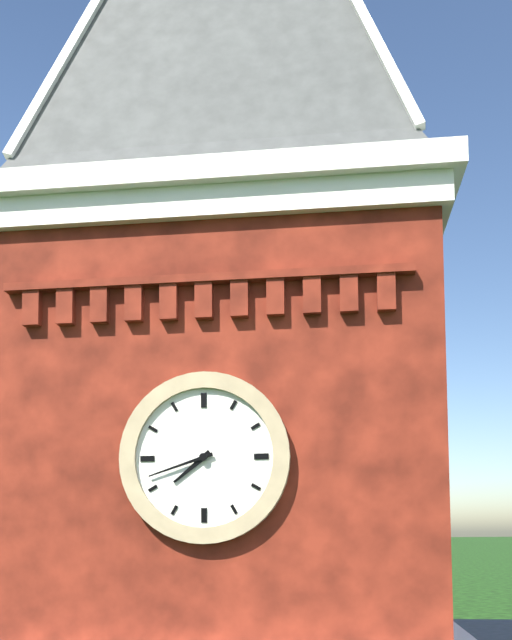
7:42
